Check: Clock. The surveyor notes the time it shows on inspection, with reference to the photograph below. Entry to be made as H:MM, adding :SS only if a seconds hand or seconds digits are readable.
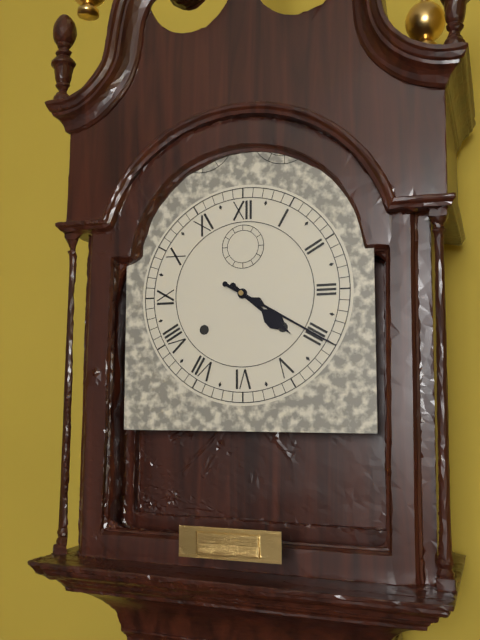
4:20
